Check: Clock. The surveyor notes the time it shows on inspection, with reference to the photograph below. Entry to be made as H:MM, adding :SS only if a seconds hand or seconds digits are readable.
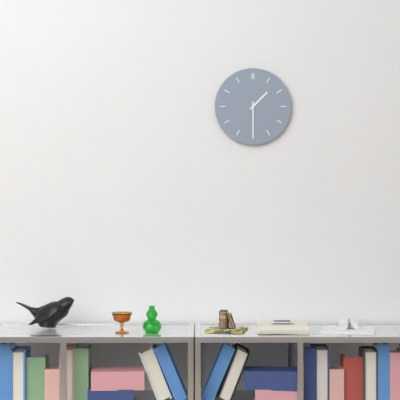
1:30
